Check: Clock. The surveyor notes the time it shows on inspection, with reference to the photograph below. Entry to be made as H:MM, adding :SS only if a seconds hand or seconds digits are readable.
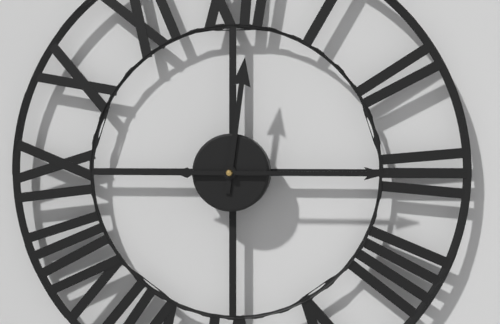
12:15
